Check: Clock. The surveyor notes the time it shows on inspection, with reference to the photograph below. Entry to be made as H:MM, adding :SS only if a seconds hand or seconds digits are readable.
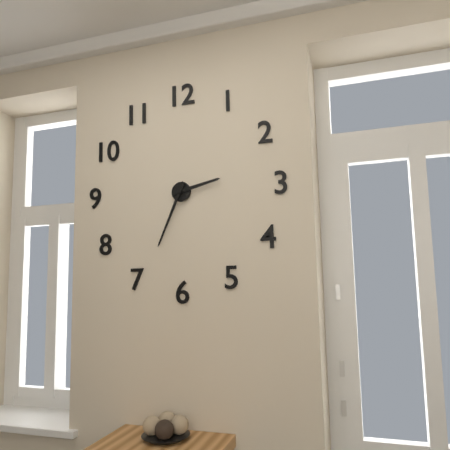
2:34
